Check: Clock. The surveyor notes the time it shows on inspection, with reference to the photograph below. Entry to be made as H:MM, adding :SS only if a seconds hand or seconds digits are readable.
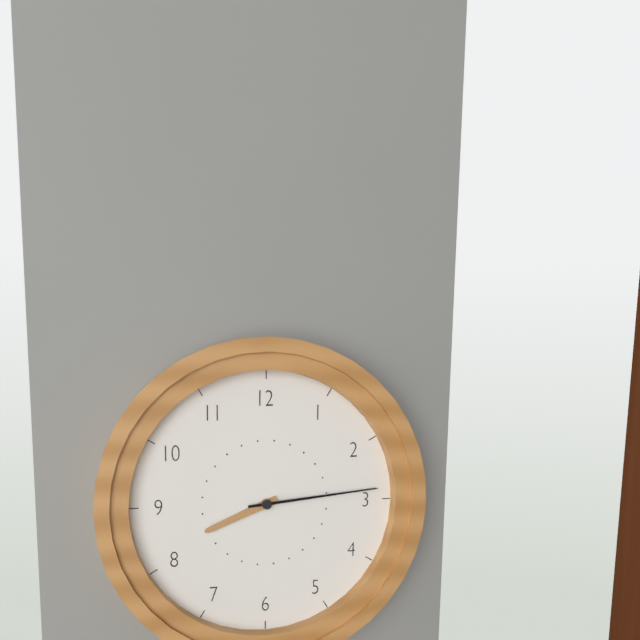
8:14
